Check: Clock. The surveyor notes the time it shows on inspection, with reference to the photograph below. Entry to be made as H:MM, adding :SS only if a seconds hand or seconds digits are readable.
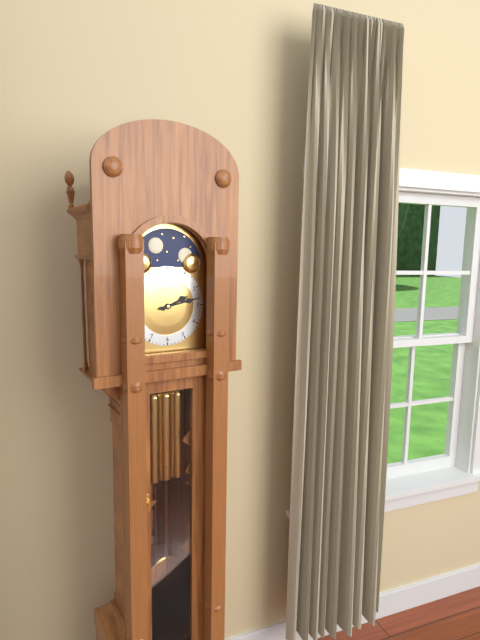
2:13
